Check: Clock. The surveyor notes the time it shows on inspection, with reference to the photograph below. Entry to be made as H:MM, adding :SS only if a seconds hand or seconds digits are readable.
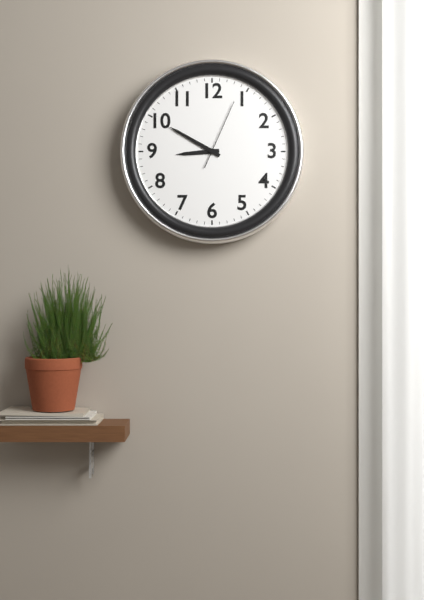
8:50:04
